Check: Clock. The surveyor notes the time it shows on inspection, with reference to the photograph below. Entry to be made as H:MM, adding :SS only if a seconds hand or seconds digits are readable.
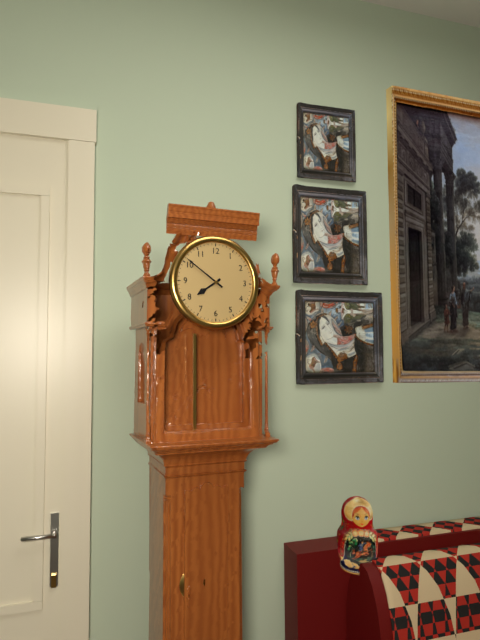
7:51
